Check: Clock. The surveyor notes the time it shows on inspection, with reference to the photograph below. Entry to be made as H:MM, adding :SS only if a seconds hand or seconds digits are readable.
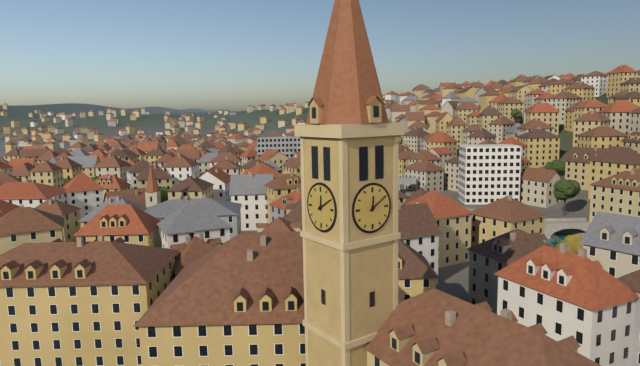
12:10
